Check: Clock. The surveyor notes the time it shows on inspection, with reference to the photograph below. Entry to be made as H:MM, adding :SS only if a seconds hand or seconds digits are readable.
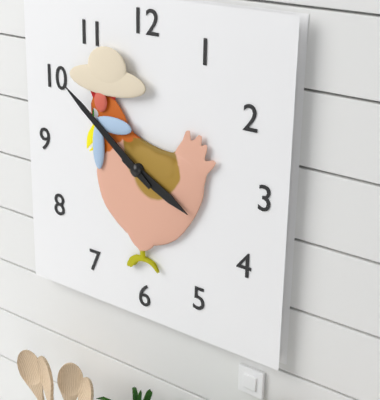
3:51
